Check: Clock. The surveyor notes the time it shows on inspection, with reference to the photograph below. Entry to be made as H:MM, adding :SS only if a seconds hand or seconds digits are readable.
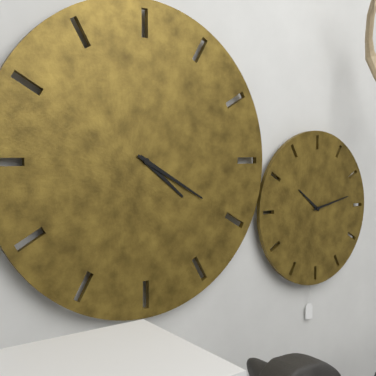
4:20
